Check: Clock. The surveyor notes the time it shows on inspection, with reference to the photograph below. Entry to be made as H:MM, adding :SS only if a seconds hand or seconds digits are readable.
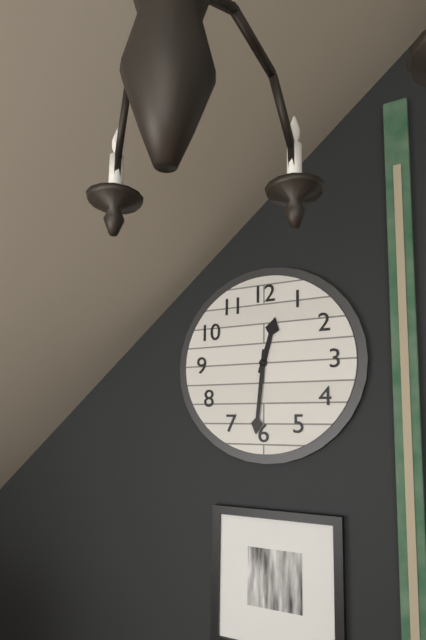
12:31
